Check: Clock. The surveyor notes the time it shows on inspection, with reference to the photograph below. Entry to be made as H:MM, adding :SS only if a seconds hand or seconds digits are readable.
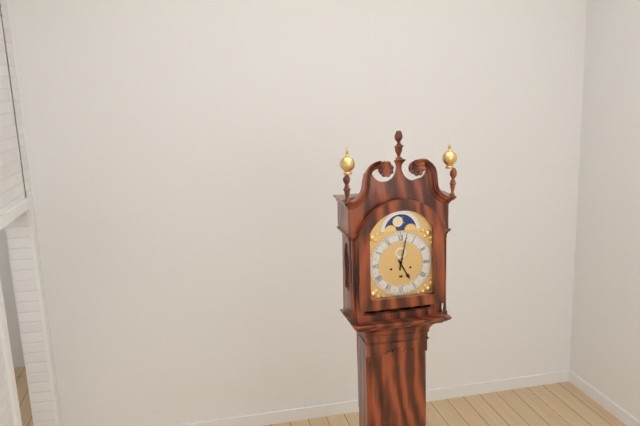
5:02
